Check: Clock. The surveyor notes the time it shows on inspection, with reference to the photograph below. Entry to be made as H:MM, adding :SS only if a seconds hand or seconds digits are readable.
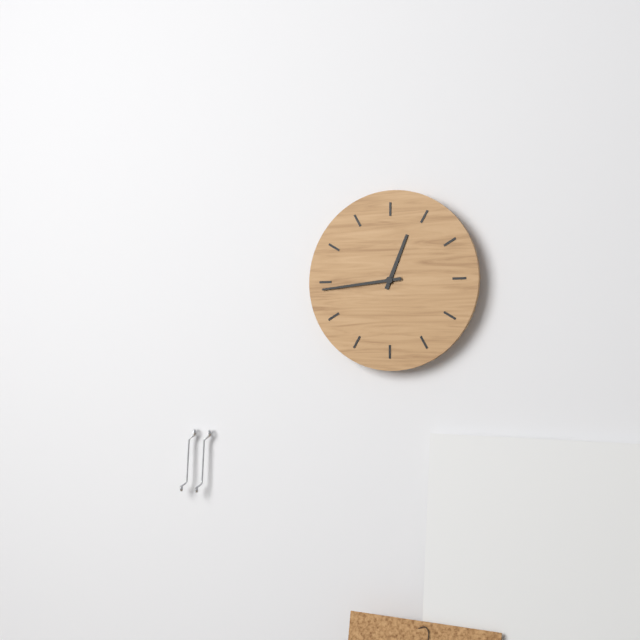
12:44
